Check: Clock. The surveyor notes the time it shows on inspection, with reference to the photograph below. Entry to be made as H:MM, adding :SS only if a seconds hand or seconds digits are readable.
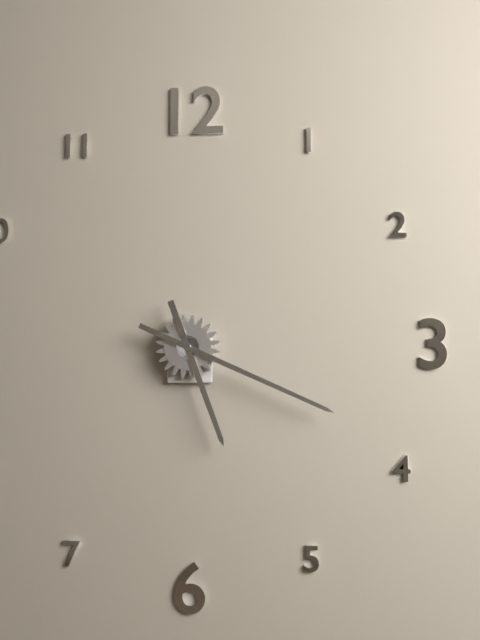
5:19
